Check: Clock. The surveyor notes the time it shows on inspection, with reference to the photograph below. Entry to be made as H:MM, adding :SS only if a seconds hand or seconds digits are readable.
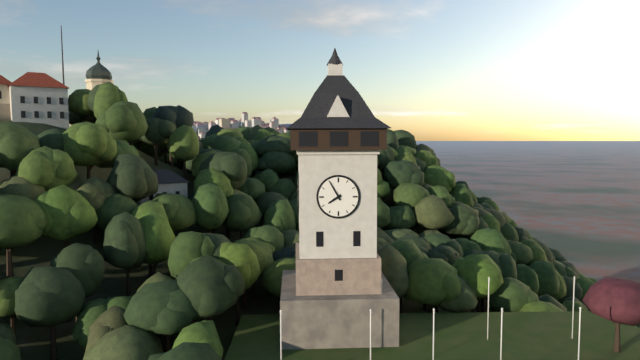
7:55
